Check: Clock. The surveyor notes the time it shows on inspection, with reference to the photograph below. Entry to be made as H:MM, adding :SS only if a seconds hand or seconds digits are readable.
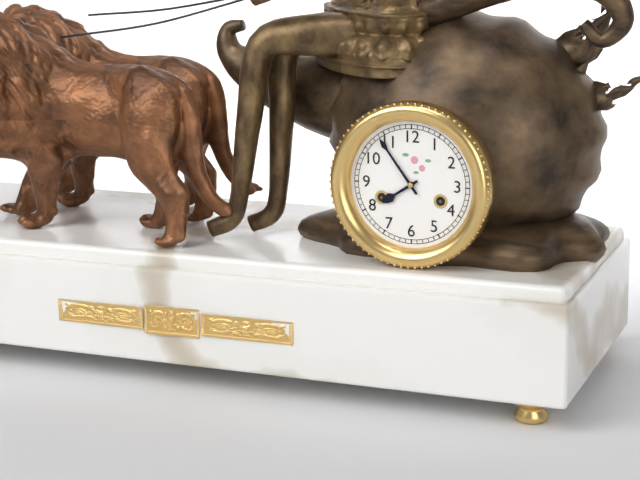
7:54
